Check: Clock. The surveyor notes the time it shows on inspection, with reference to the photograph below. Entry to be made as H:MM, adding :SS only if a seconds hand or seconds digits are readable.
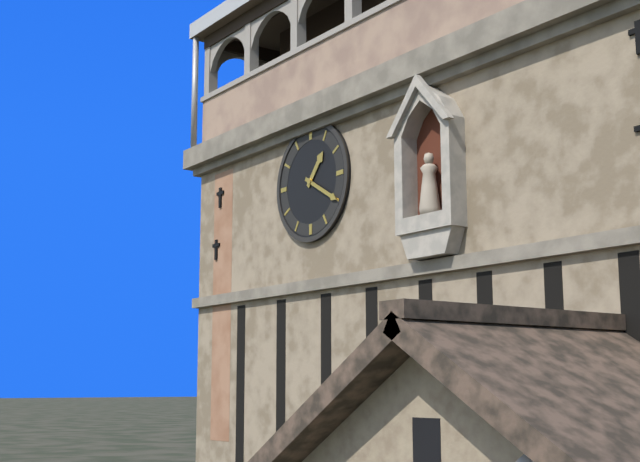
1:20
